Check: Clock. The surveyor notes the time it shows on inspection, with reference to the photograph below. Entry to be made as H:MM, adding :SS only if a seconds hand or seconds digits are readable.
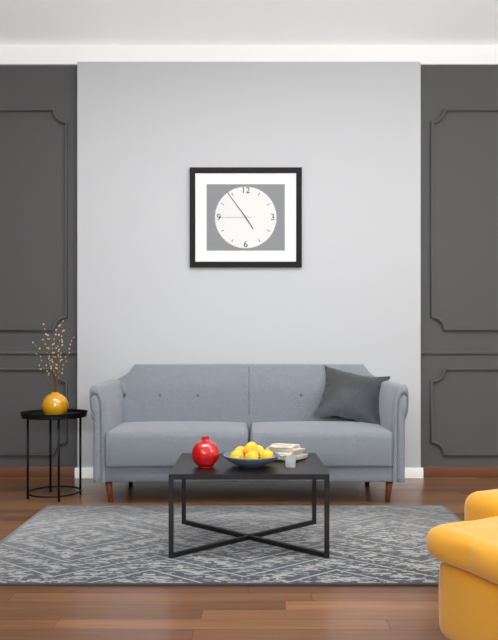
4:54
